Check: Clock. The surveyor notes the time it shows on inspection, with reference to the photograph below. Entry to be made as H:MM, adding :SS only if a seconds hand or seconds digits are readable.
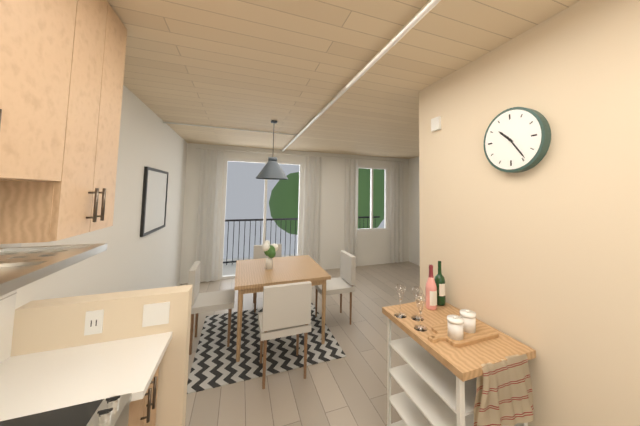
10:24
